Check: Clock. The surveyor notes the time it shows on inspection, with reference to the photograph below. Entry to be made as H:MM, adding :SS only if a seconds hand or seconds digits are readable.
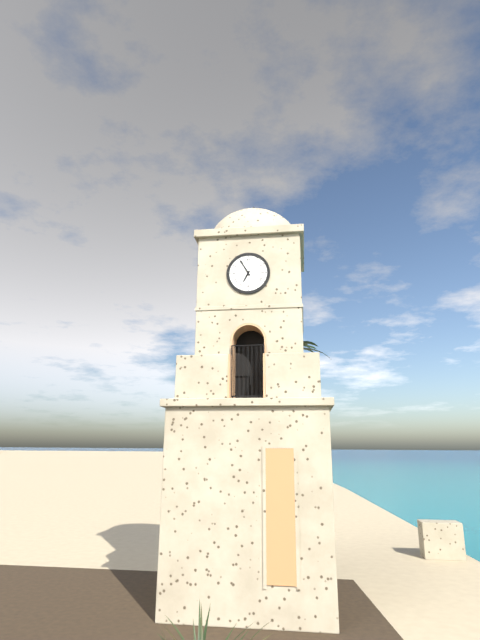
6:55
